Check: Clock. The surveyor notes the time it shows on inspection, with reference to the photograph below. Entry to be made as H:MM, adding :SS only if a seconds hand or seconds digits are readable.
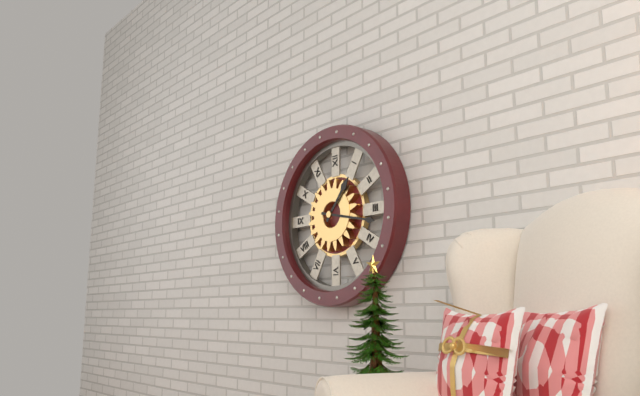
1:17
